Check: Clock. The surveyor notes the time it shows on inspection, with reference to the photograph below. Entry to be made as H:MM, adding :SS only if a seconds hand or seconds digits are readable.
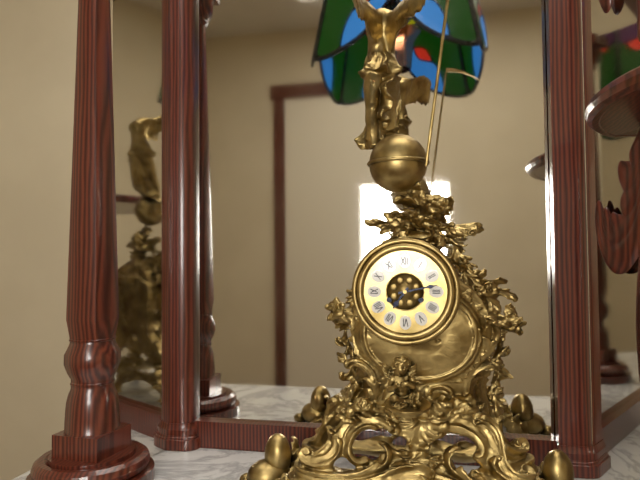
7:13
